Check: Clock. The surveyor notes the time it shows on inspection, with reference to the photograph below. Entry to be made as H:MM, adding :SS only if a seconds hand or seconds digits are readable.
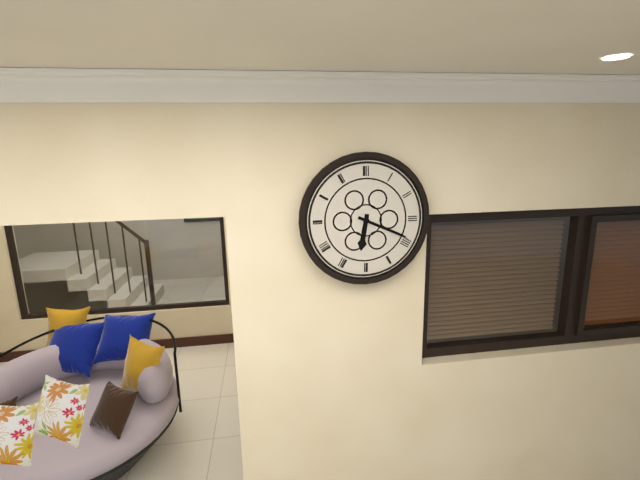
6:19
